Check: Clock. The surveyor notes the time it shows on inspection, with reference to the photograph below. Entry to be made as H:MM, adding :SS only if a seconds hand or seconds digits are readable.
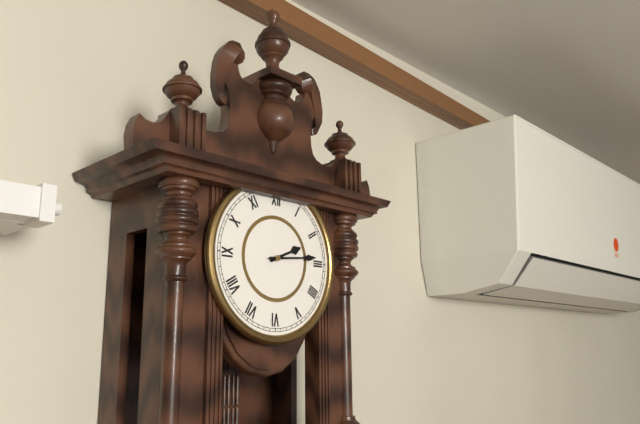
2:14
